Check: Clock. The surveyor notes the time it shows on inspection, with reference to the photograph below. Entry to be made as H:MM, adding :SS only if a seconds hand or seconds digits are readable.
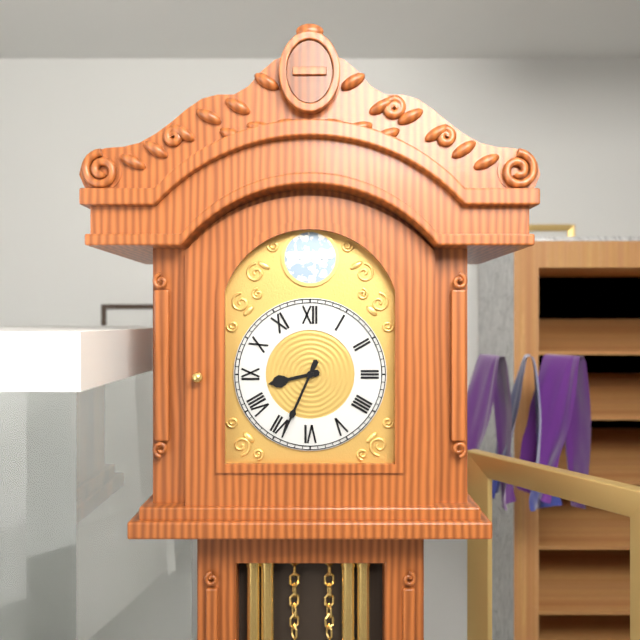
8:34
